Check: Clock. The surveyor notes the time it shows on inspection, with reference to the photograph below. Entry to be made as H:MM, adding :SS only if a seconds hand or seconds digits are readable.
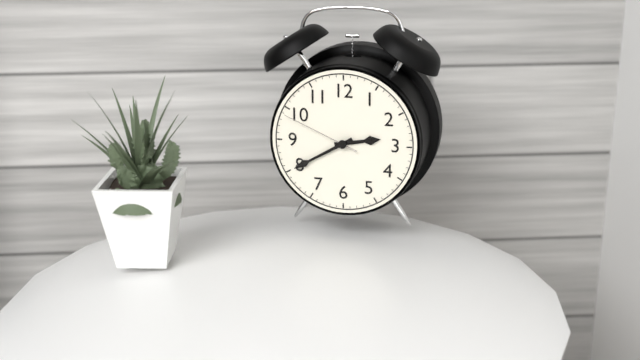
2:40:49
